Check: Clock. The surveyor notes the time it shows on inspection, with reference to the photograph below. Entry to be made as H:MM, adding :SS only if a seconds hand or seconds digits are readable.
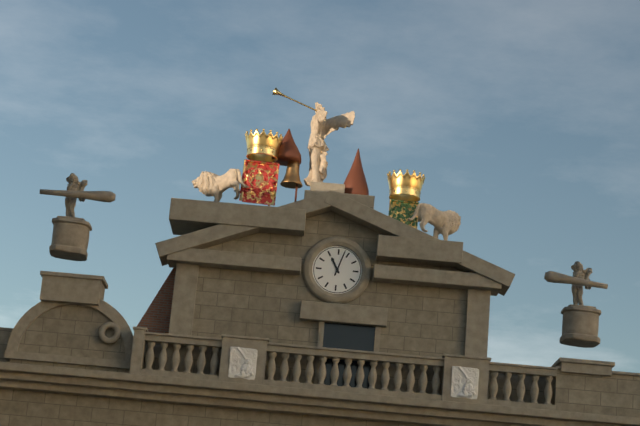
11:03
